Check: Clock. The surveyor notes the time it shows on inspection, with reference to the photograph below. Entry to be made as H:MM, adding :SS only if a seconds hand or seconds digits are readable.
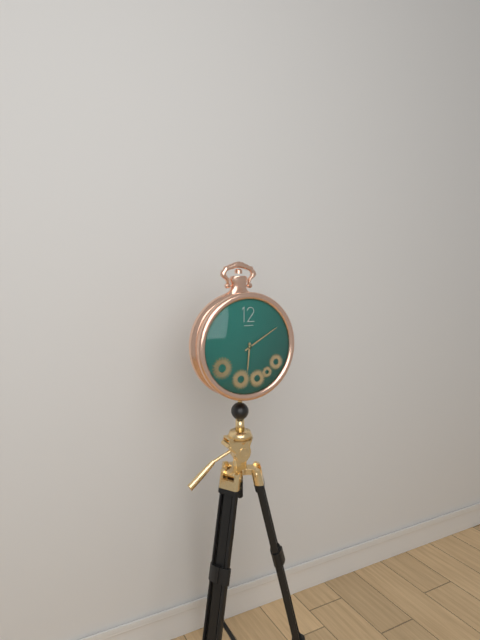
6:10
